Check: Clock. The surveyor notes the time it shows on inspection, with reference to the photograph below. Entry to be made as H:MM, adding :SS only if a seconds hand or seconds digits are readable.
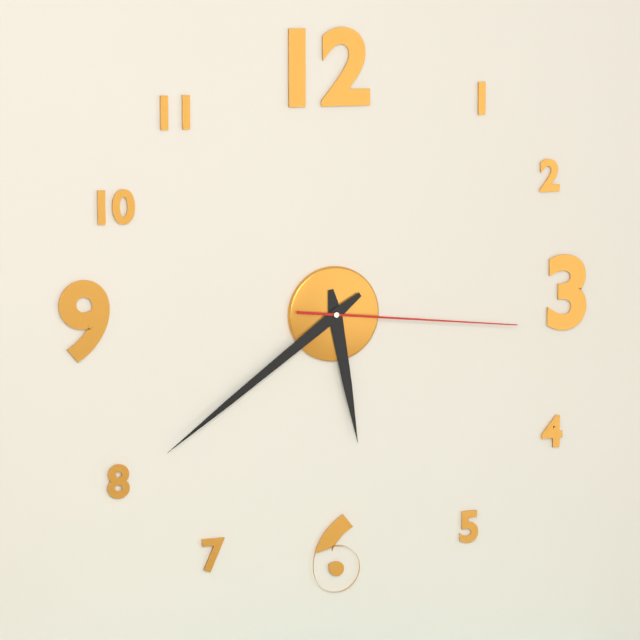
5:39:16
